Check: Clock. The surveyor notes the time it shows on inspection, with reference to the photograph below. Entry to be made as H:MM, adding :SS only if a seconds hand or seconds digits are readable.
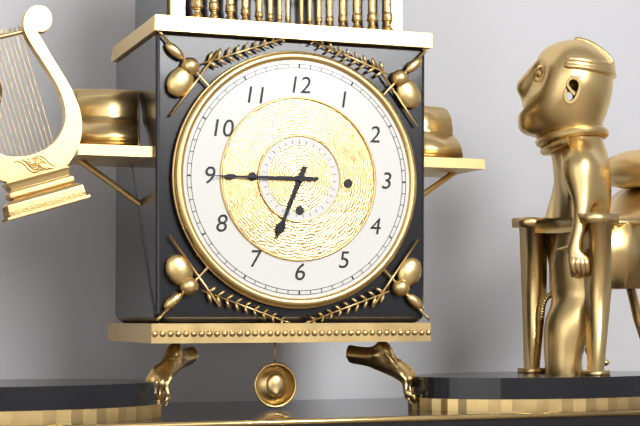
6:45
